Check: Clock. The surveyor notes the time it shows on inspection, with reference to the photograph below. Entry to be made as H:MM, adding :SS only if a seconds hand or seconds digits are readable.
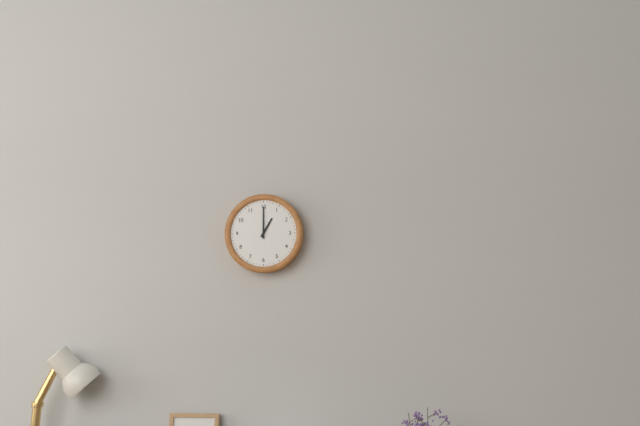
1:00
